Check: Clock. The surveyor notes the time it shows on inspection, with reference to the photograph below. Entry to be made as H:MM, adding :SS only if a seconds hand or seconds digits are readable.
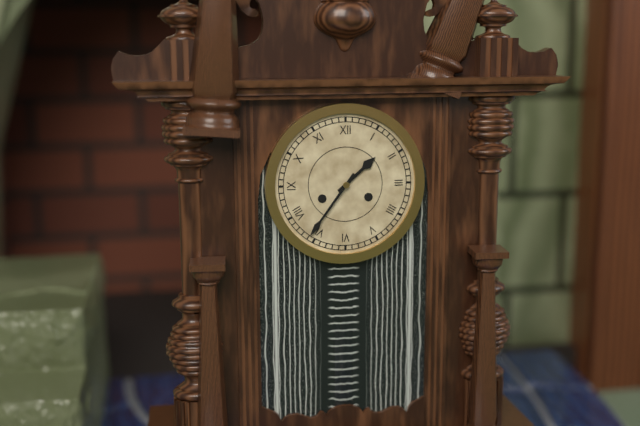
1:36
